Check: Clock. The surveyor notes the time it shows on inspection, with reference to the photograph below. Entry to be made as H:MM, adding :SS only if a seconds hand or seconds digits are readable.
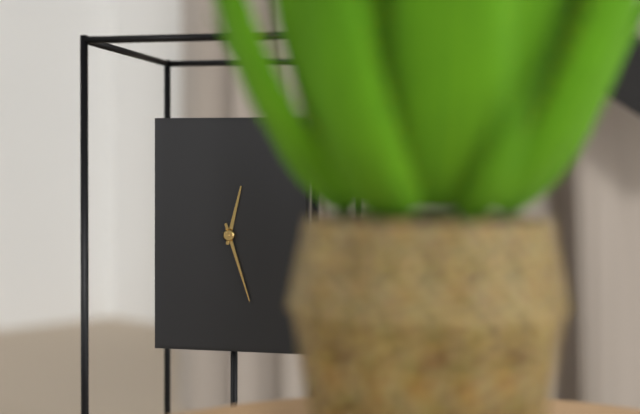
12:27
